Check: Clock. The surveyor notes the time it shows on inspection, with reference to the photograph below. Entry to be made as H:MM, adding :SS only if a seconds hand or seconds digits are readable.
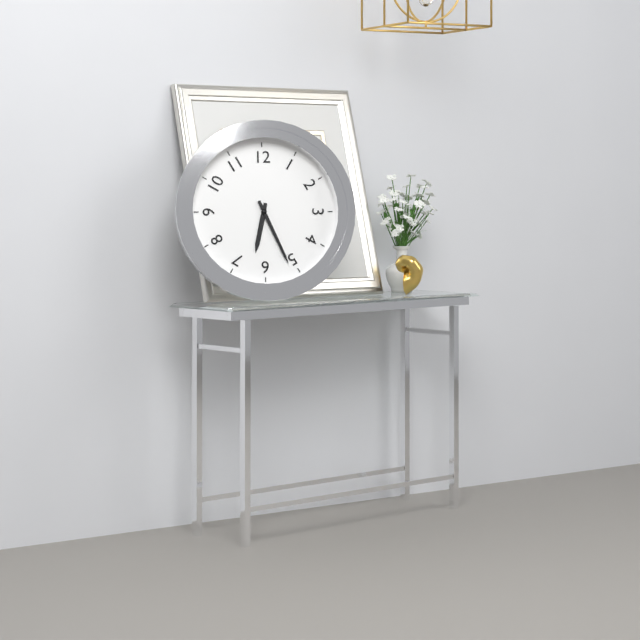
6:26
